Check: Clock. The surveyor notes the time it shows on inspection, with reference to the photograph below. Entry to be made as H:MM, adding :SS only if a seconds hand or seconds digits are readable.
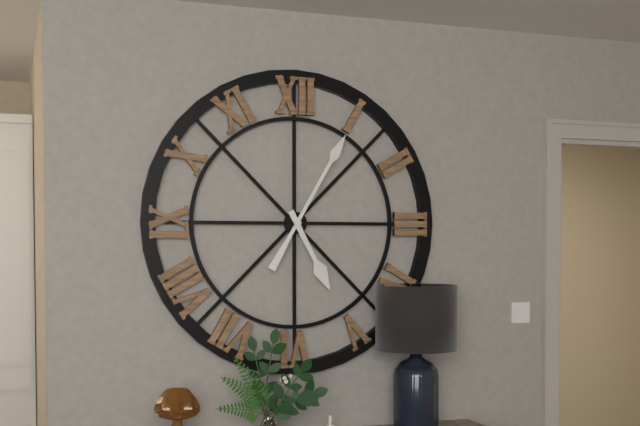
5:05
